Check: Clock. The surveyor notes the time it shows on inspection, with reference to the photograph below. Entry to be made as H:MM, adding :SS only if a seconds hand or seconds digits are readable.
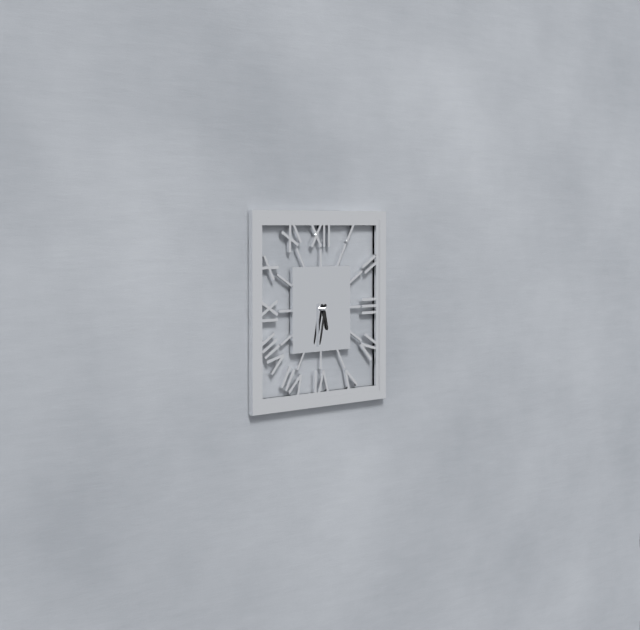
5:32
